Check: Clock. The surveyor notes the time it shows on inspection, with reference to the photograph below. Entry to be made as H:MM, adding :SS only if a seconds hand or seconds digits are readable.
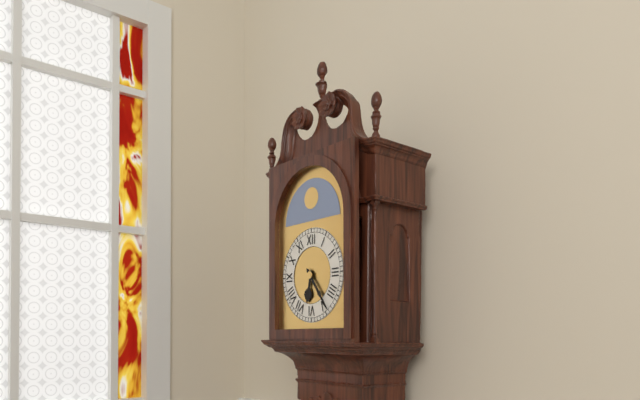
6:24
